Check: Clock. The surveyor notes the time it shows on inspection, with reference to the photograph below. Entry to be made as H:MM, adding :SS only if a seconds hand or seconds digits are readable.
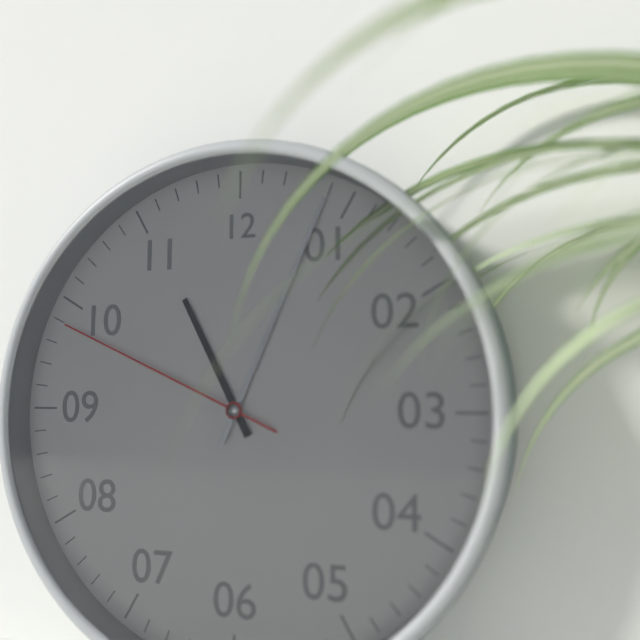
11:04:49
